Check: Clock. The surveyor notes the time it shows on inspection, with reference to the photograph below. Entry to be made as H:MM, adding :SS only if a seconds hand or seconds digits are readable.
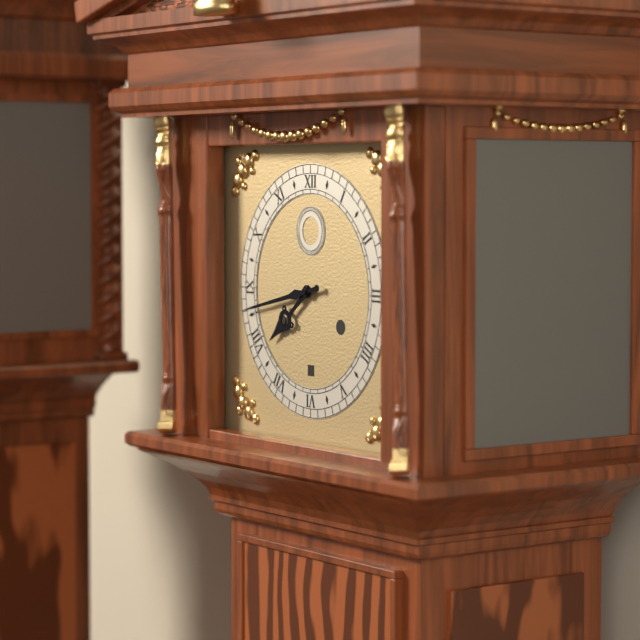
7:43
